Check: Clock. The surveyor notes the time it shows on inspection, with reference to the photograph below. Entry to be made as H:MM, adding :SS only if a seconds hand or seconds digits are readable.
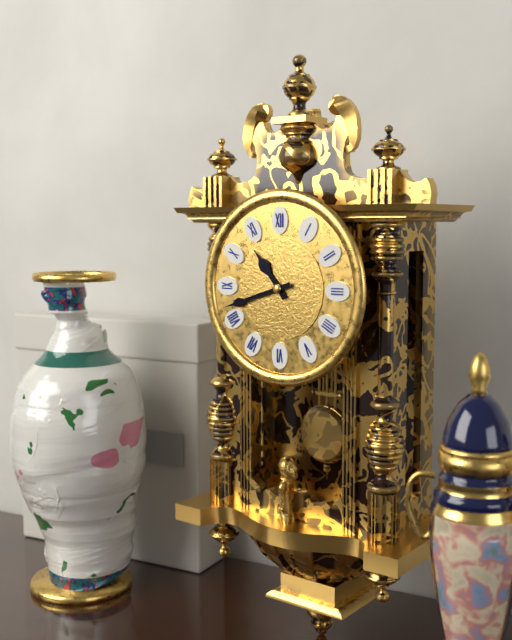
10:42
